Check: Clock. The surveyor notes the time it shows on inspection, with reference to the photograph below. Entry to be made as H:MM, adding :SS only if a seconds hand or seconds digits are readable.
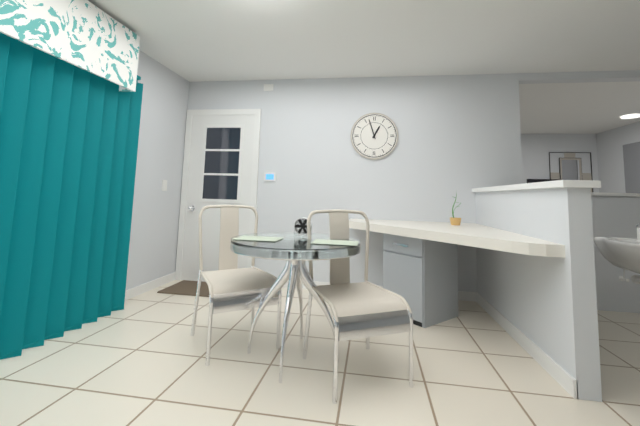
12:57
